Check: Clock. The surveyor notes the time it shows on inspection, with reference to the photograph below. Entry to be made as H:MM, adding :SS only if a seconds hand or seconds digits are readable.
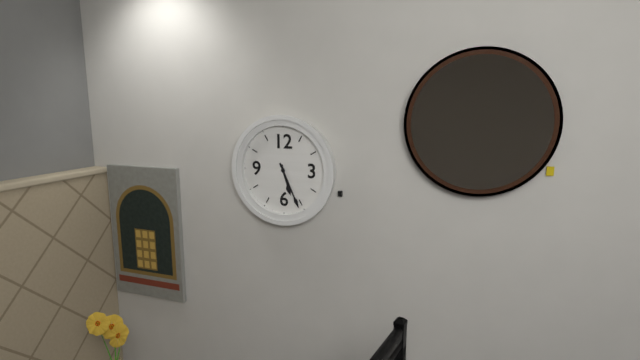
5:26
